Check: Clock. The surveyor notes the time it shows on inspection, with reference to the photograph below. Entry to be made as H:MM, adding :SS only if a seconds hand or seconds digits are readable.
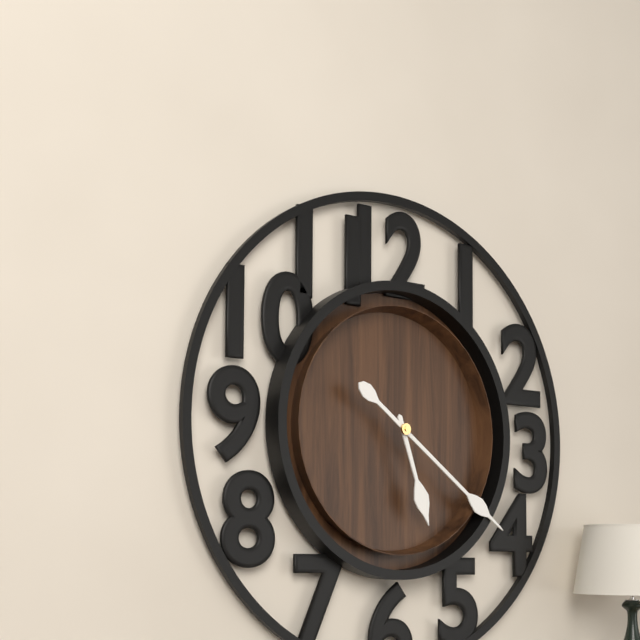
5:21
